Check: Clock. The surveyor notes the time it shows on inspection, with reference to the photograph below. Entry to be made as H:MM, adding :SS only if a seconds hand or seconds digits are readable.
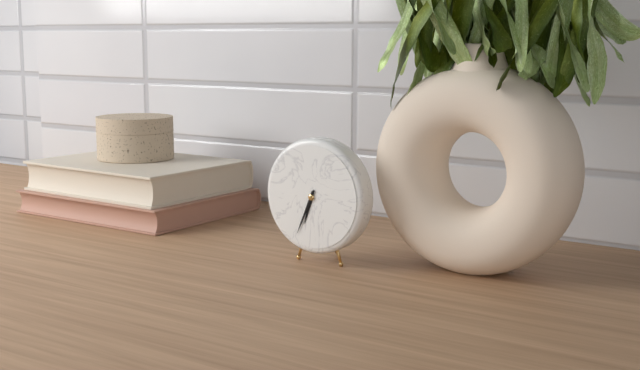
6:34
